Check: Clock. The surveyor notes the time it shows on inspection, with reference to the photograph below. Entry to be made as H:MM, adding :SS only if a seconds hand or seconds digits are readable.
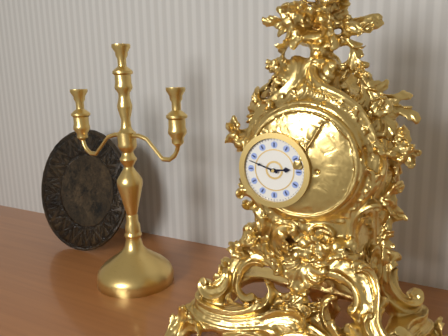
2:48
